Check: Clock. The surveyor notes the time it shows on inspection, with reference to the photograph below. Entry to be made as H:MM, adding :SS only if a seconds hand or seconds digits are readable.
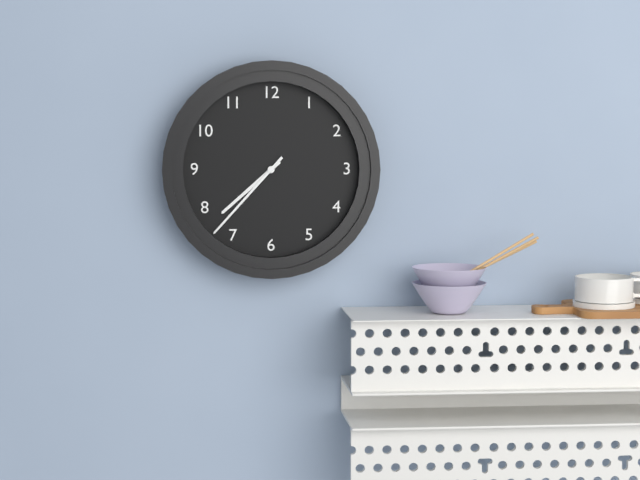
7:37
